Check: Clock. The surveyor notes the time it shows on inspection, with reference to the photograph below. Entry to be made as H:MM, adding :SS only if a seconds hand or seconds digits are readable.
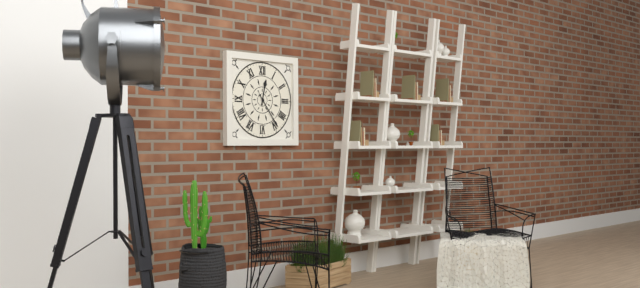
12:24
